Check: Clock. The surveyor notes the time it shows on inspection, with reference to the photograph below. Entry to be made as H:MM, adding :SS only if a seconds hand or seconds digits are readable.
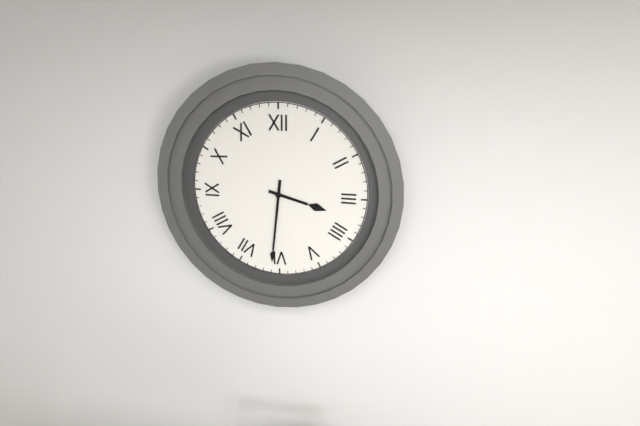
3:31
